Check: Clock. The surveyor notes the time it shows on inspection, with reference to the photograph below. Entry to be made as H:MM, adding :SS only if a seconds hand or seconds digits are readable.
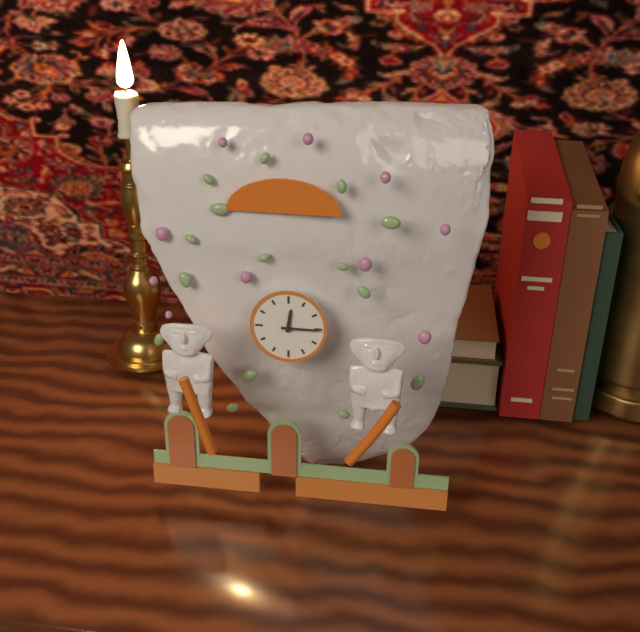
12:15
